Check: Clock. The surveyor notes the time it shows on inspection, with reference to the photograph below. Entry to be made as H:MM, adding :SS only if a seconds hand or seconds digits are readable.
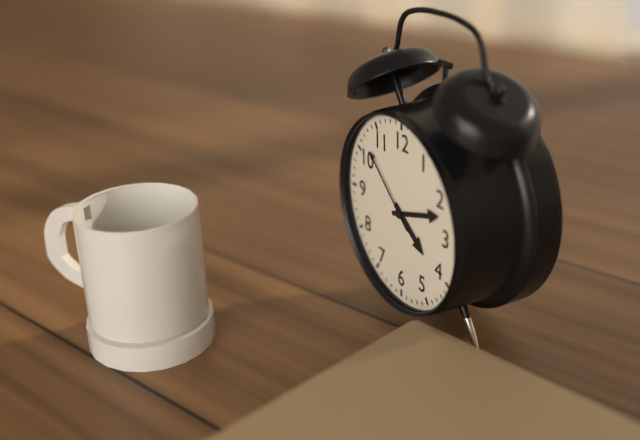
4:12:52
